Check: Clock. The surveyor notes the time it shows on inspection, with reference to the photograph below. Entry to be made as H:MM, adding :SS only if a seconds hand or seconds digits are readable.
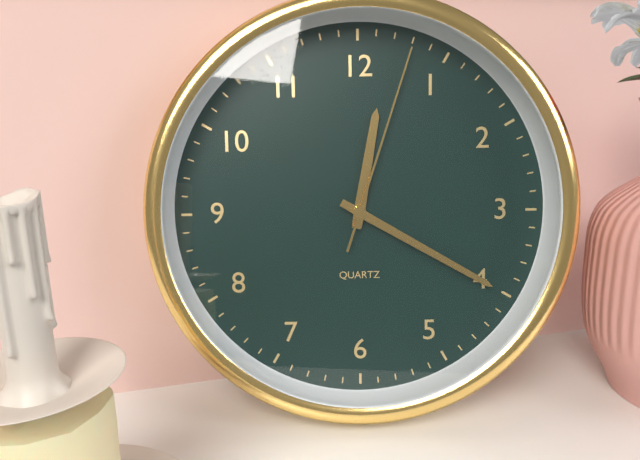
12:20:03
